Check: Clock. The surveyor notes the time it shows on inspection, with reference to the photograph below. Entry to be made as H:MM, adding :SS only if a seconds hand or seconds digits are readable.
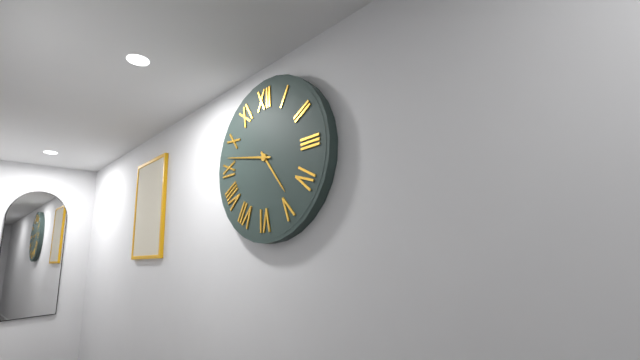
4:47
